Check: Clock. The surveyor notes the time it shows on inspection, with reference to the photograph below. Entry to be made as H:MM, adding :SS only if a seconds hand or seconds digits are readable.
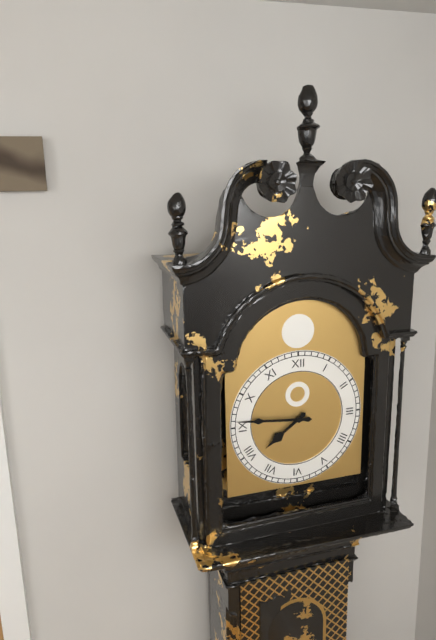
7:46
